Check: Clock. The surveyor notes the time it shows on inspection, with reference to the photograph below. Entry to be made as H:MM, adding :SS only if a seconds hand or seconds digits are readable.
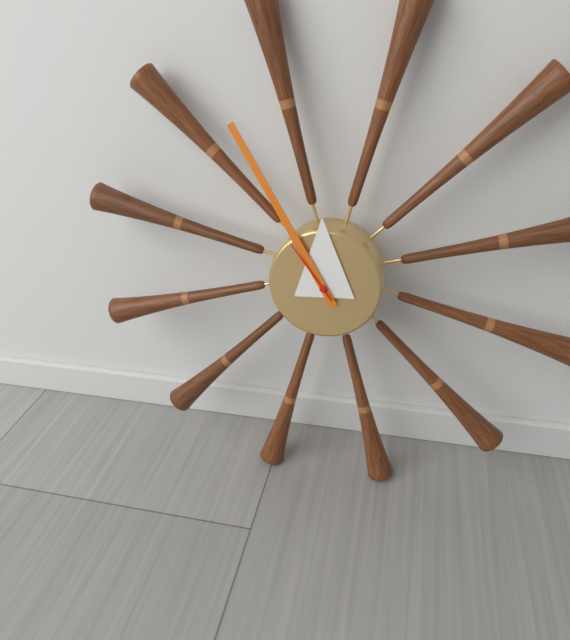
11:55:54
